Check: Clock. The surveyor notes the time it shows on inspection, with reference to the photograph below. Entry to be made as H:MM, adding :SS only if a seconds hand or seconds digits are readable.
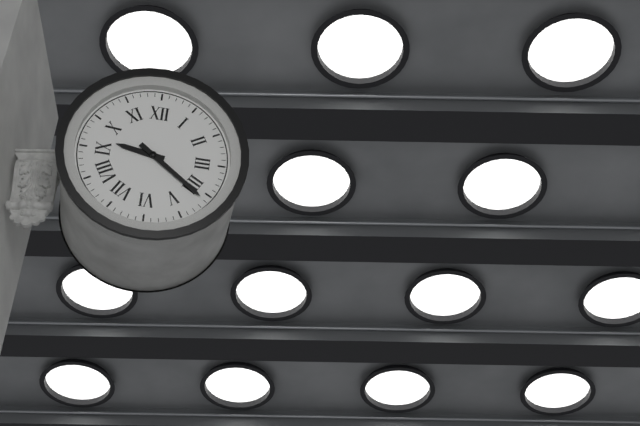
9:21
